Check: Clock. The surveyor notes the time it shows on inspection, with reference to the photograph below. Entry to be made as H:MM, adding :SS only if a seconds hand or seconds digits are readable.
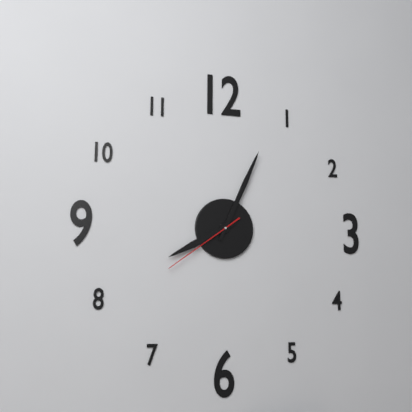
8:04:39
